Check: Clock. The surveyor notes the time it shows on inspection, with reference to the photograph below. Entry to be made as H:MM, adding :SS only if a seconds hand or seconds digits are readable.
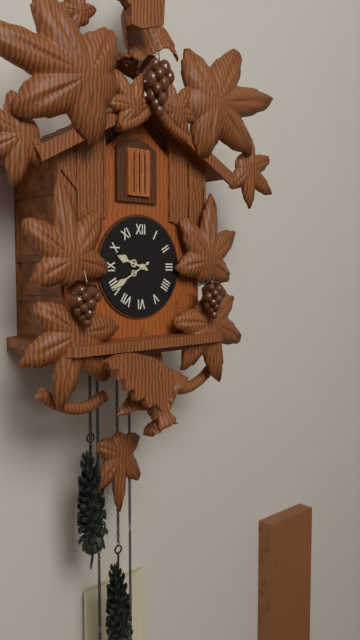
9:40
